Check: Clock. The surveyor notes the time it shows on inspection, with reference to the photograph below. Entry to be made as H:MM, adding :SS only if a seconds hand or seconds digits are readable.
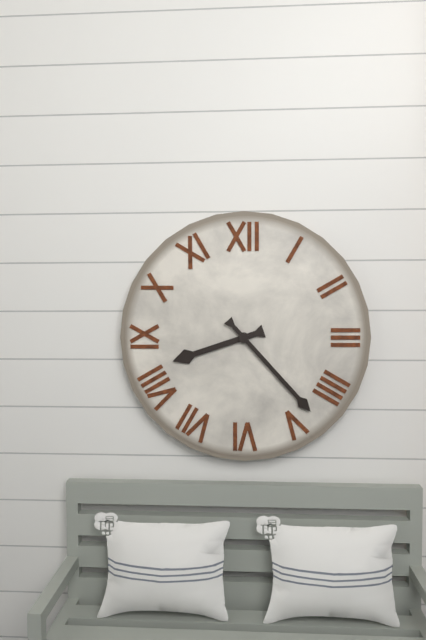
8:23
